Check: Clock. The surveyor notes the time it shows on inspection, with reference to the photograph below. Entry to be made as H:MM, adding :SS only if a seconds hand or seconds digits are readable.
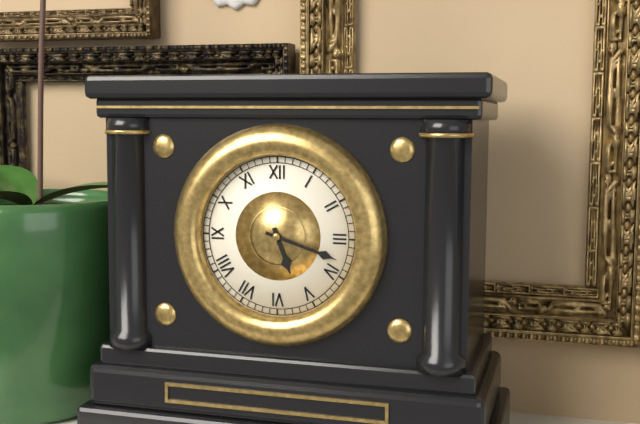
5:18
